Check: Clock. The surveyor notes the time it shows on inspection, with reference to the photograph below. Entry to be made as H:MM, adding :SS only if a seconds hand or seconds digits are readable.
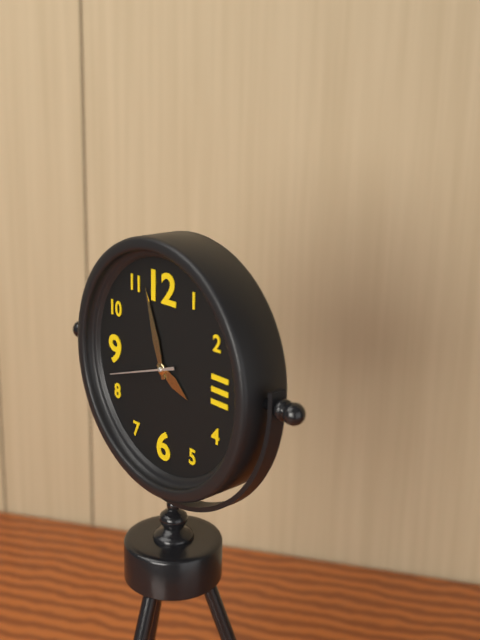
3:57:42
